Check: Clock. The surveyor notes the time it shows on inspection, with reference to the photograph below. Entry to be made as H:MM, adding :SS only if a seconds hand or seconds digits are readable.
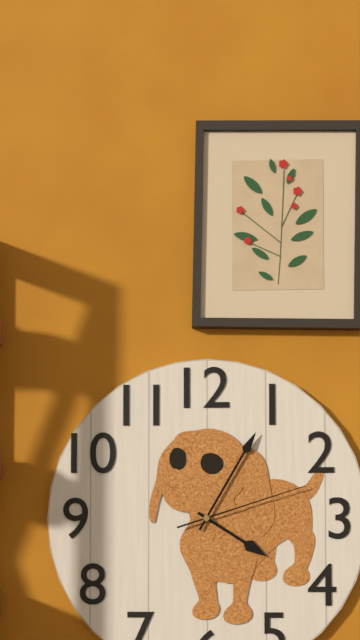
4:05:12
